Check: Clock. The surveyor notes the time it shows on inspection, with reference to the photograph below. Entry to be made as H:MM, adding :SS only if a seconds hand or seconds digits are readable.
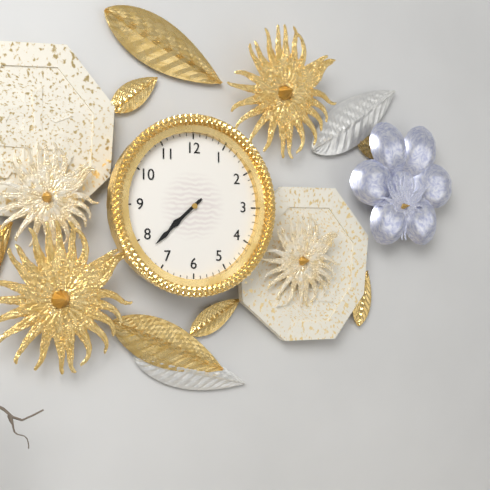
7:38
